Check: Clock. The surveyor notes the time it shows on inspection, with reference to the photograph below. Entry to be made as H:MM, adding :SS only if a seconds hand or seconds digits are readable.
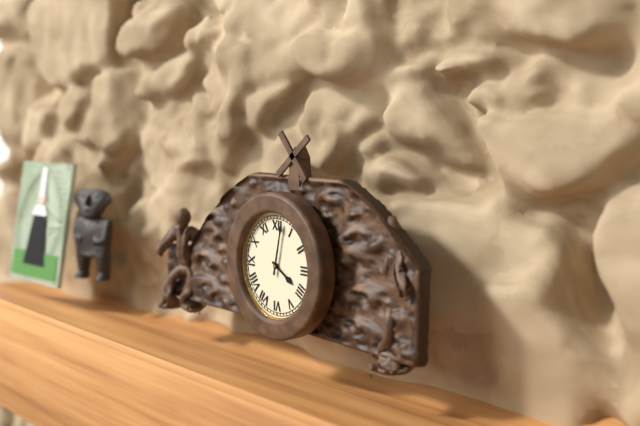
4:02
